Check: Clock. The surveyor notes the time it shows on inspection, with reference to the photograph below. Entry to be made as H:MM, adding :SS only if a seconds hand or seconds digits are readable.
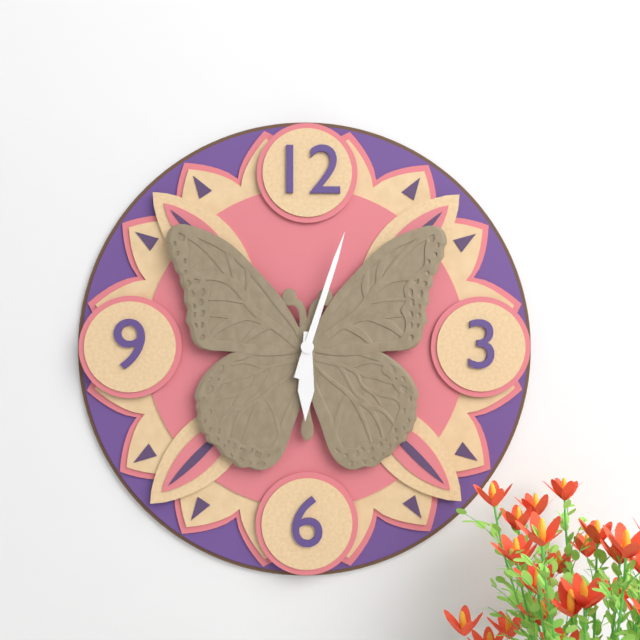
6:03
